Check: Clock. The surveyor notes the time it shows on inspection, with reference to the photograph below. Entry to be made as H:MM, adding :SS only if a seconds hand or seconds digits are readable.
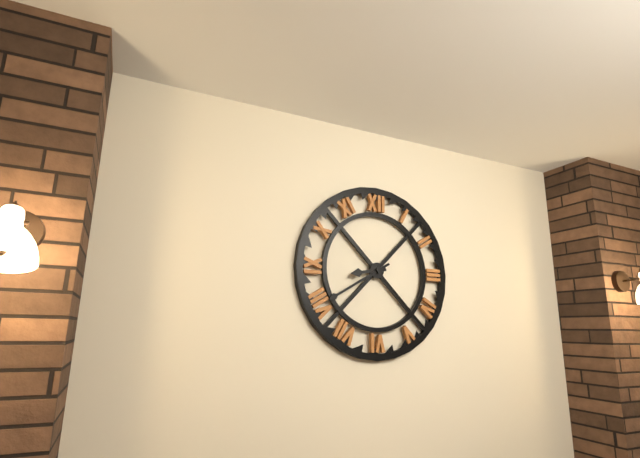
8:40
